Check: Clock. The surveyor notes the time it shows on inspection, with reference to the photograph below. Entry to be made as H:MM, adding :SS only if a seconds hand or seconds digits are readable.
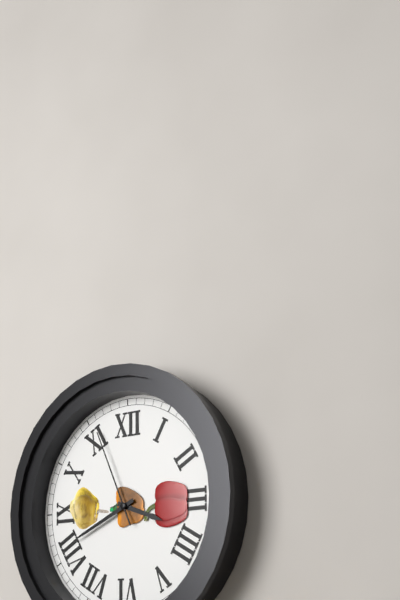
3:41:56
